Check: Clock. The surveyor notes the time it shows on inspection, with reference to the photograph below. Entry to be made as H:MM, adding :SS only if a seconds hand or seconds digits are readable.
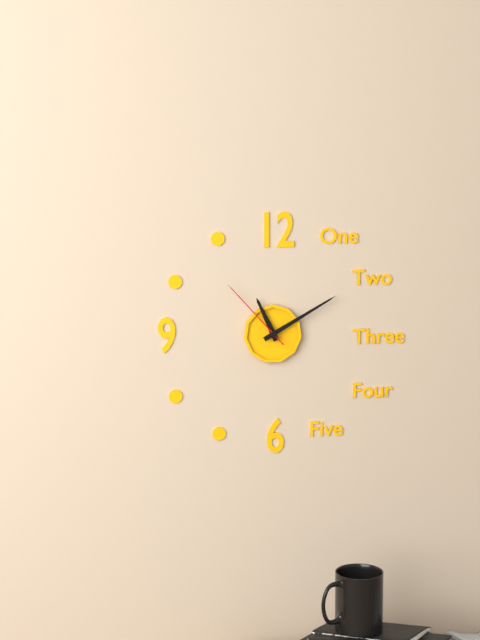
11:10:53
